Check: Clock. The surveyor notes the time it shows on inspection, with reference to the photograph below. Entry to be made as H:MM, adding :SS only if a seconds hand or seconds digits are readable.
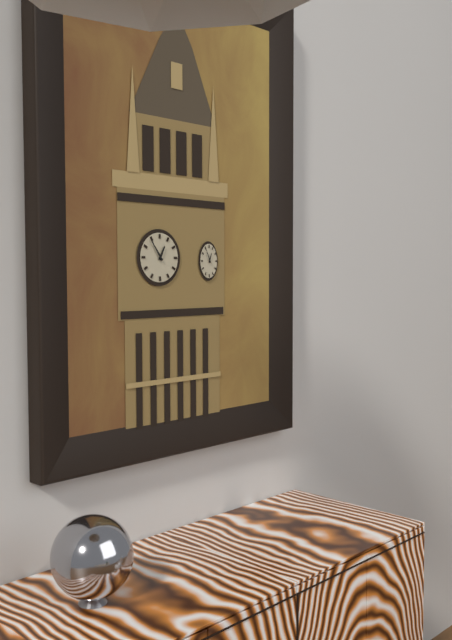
12:54
